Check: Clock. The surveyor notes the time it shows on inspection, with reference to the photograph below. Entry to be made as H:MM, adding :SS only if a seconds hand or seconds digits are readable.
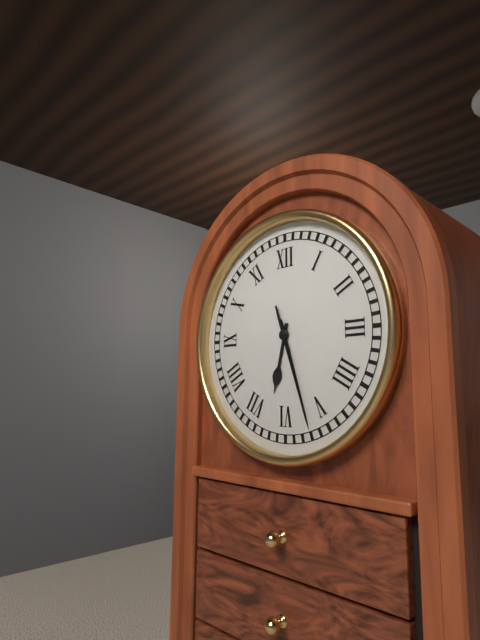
6:27:27
